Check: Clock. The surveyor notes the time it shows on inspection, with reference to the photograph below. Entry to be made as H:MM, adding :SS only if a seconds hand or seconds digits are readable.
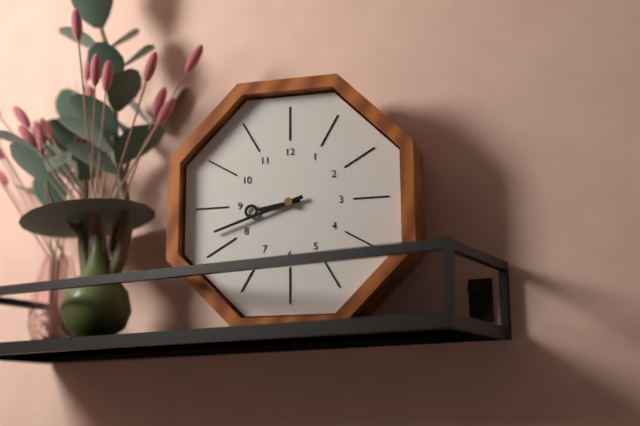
8:42
